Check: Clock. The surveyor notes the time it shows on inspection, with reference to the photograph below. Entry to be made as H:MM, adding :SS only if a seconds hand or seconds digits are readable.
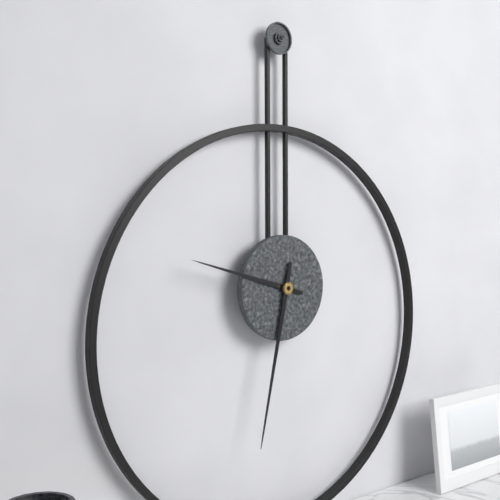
9:32
